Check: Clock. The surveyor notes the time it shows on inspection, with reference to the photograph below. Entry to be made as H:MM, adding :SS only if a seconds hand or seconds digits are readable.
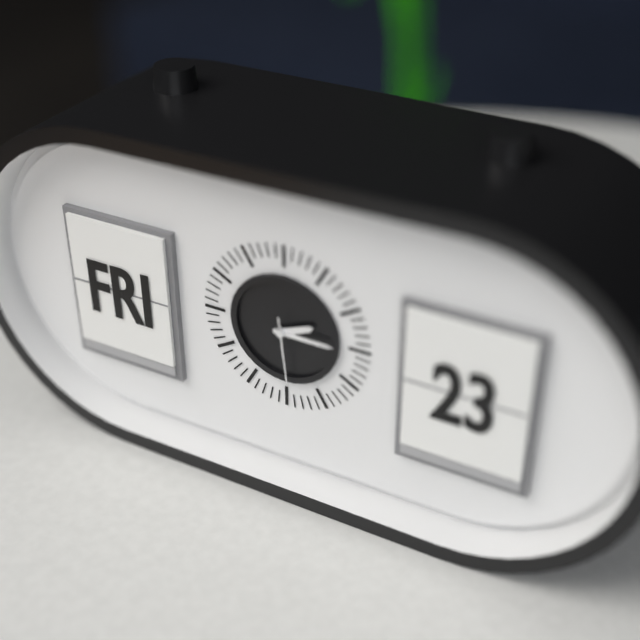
2:15:29
